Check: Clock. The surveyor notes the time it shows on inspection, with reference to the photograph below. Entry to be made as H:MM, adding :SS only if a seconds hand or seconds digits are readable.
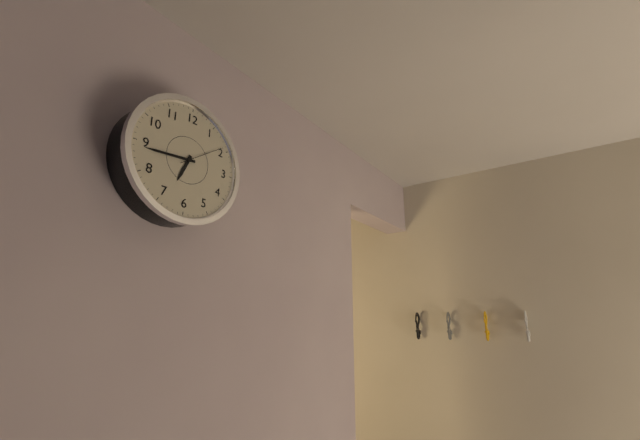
6:44
